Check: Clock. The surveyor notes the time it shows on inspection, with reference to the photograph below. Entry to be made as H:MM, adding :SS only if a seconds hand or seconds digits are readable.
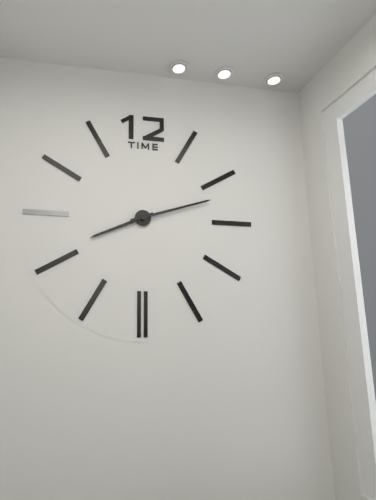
8:12
